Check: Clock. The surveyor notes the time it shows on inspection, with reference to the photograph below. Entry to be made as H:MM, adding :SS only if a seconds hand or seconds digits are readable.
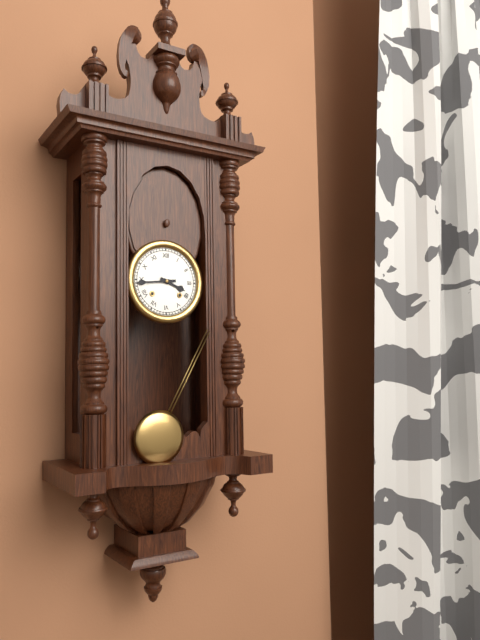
3:44
